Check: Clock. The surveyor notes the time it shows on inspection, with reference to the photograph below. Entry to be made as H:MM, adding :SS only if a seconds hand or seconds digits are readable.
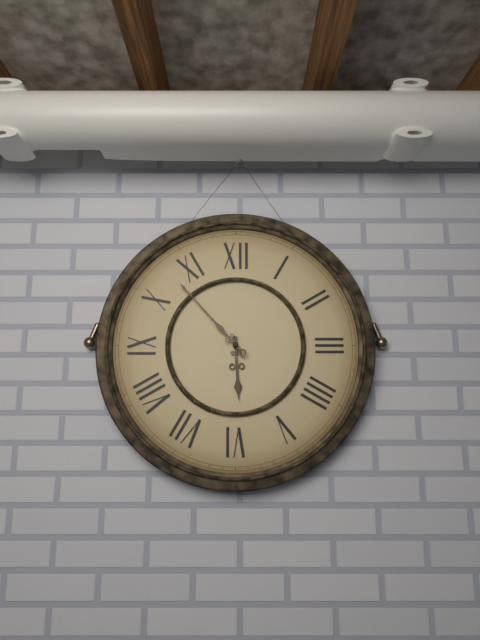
5:53
